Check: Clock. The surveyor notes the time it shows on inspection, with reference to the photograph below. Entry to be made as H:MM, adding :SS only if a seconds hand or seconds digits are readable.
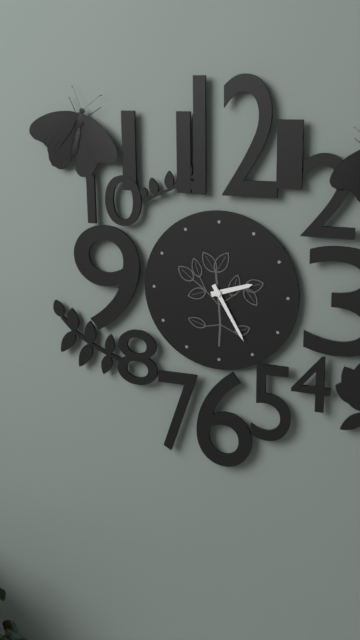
2:25
